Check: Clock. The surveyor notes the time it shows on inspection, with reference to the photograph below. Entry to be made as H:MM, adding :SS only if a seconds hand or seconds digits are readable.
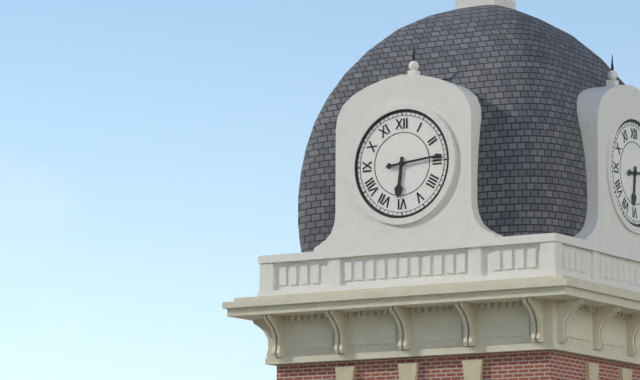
6:14
